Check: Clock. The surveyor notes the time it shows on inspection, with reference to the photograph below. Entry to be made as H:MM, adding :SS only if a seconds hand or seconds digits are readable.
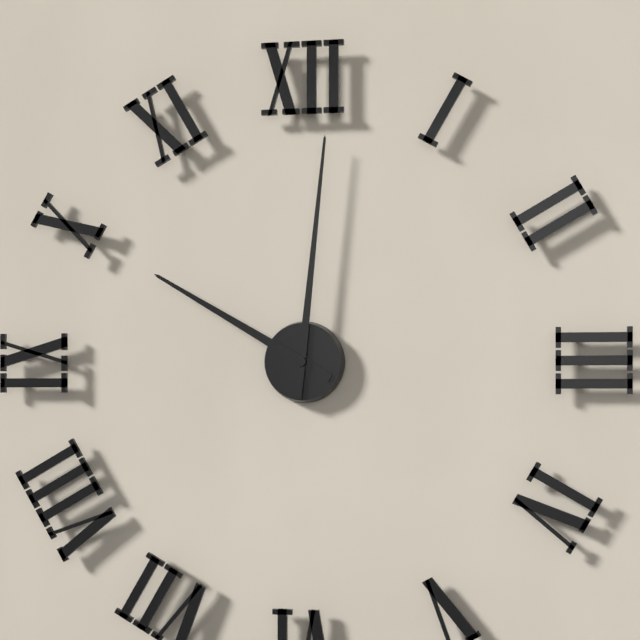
10:01
